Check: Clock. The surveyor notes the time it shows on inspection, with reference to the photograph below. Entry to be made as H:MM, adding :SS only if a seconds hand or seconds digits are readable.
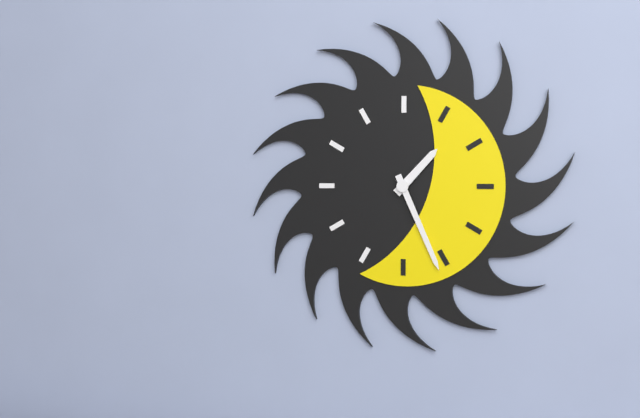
1:26
